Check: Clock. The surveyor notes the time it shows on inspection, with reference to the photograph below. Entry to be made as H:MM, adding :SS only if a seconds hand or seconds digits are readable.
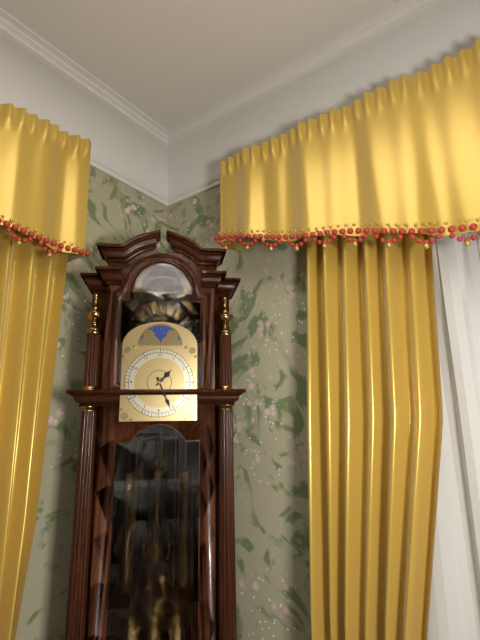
1:26
